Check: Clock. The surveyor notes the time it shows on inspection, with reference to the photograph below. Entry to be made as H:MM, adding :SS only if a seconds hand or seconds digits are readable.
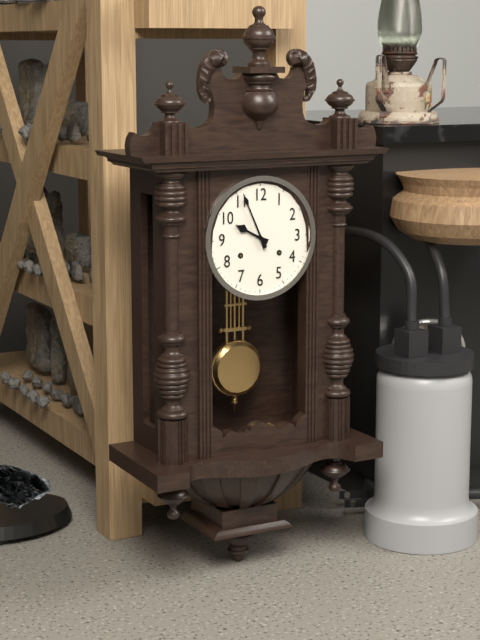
9:56
